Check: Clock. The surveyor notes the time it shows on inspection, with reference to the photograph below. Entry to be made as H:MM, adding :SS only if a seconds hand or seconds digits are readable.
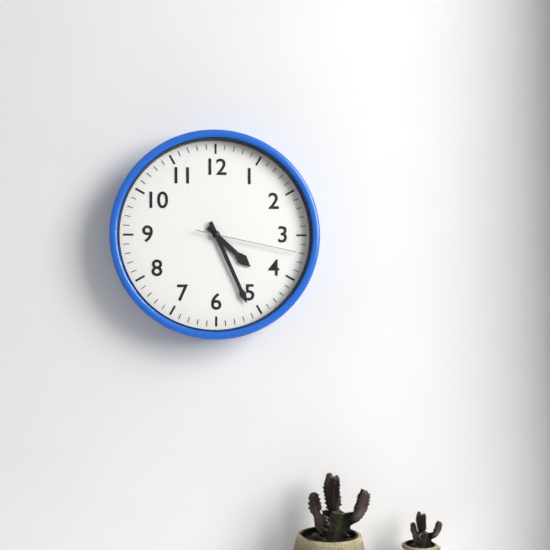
4:26:17
